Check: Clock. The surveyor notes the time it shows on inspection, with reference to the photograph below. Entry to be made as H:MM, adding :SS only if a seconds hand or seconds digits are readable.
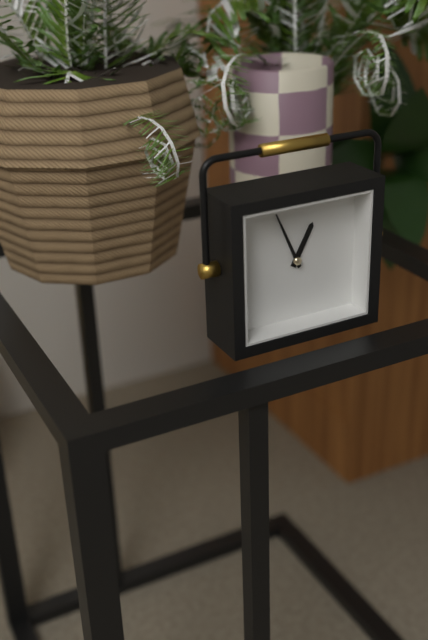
12:56
